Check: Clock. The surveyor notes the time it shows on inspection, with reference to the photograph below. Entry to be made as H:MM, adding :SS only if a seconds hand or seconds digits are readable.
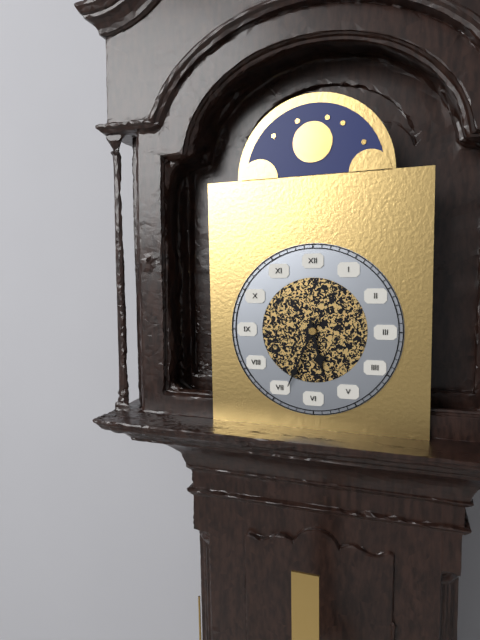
5:34
